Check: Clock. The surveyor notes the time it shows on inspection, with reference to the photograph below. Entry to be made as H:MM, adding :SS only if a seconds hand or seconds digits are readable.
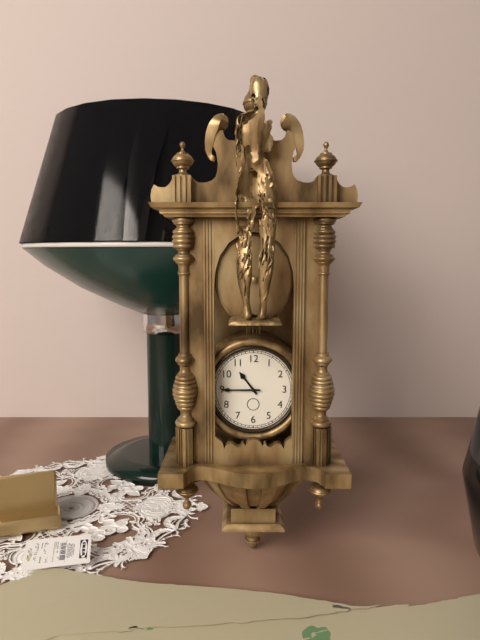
10:45
